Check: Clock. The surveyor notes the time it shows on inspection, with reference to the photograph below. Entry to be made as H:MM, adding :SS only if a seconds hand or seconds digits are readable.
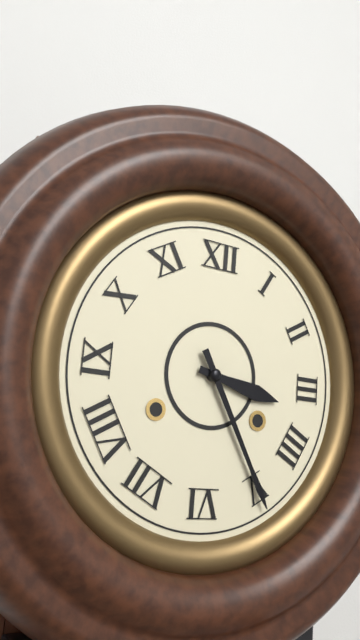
3:25
